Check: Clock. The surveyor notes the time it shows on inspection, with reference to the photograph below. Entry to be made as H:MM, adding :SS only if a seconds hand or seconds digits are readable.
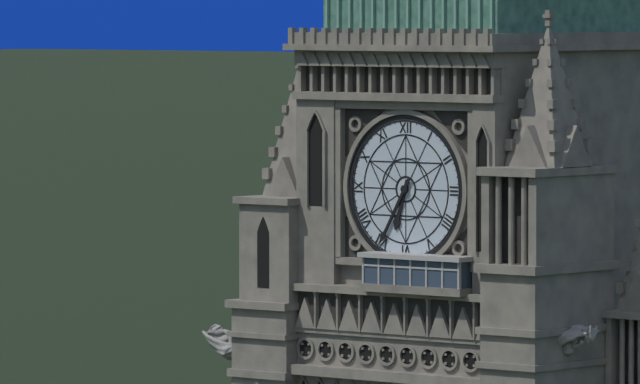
6:35
